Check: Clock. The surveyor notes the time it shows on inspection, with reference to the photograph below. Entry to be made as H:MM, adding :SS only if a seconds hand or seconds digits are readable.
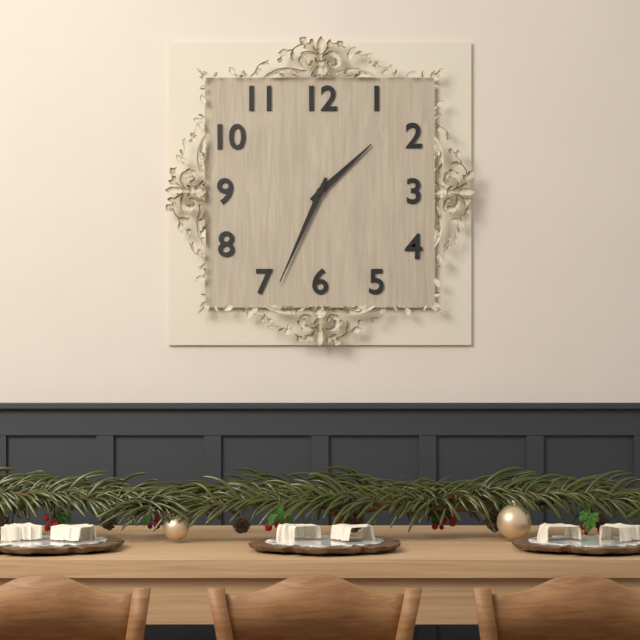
1:34
